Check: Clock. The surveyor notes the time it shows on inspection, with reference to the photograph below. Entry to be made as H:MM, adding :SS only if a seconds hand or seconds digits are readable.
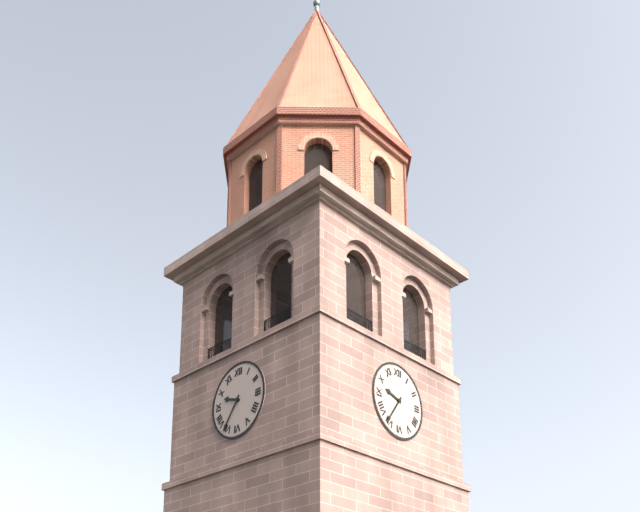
9:36
